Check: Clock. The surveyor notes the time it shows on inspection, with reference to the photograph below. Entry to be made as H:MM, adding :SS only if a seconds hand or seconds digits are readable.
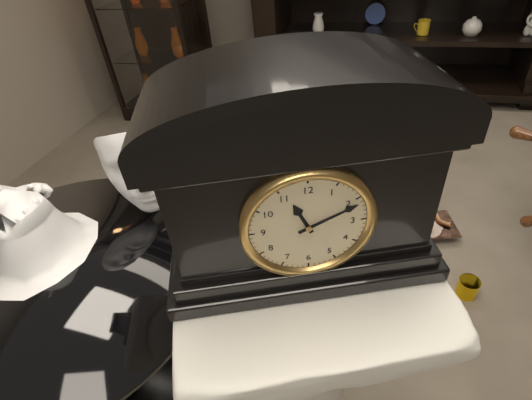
11:11
